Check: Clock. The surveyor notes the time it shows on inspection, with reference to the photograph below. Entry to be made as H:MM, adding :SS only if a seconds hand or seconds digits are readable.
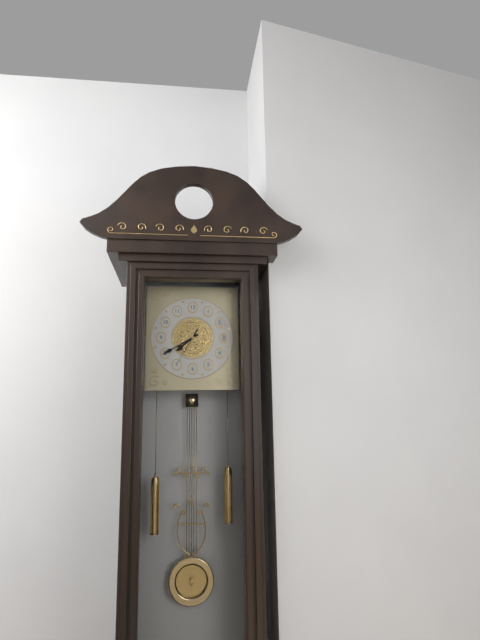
7:40
